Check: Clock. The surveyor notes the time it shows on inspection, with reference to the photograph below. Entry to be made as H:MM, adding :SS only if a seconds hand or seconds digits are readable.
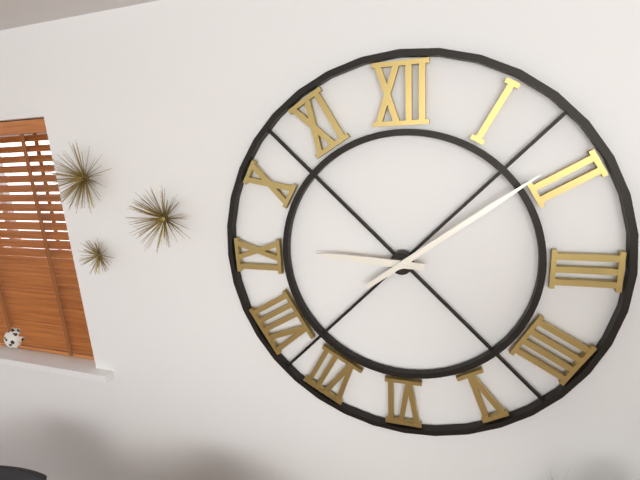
9:09
